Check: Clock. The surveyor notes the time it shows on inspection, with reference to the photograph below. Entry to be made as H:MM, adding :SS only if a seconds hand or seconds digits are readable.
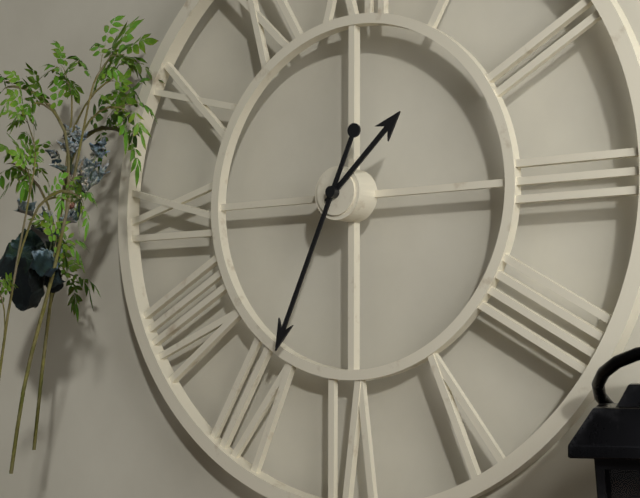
1:34
